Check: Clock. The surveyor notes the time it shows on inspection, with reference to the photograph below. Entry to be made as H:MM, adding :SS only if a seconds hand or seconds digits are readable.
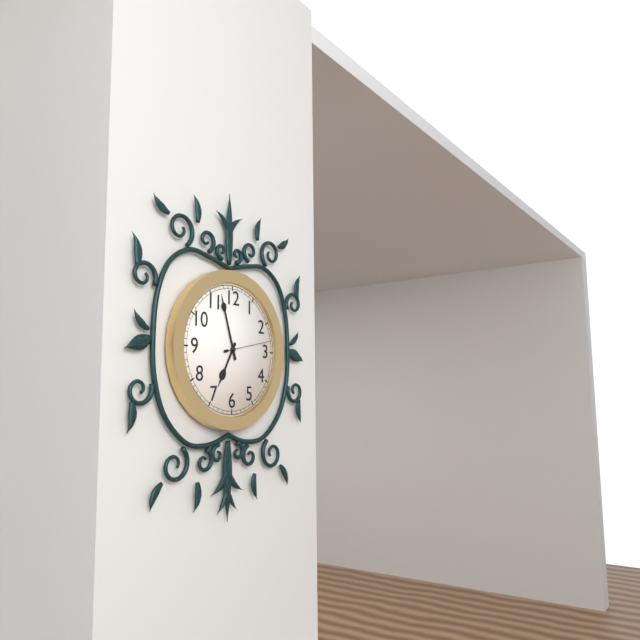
6:57
